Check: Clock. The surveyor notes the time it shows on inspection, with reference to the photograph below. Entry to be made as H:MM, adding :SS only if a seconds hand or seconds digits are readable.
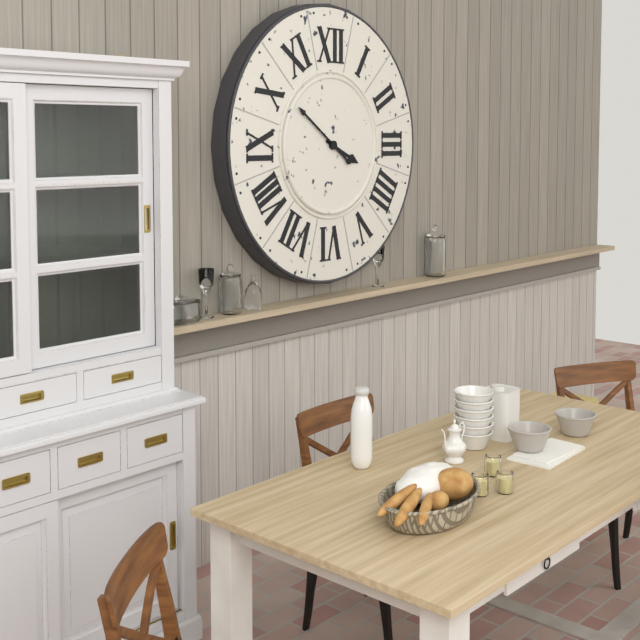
3:51
